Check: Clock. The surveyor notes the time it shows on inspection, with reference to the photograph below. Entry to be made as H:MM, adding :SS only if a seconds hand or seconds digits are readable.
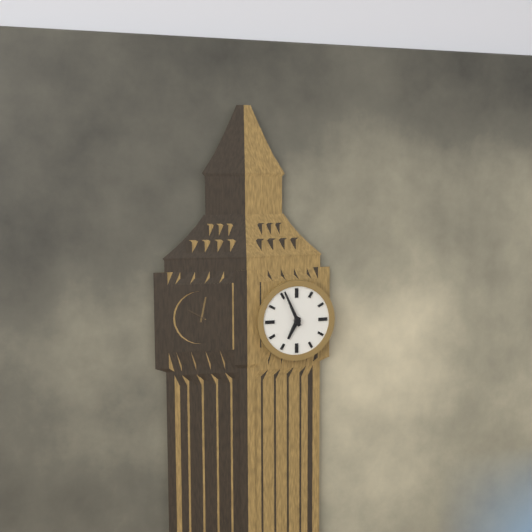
6:56
